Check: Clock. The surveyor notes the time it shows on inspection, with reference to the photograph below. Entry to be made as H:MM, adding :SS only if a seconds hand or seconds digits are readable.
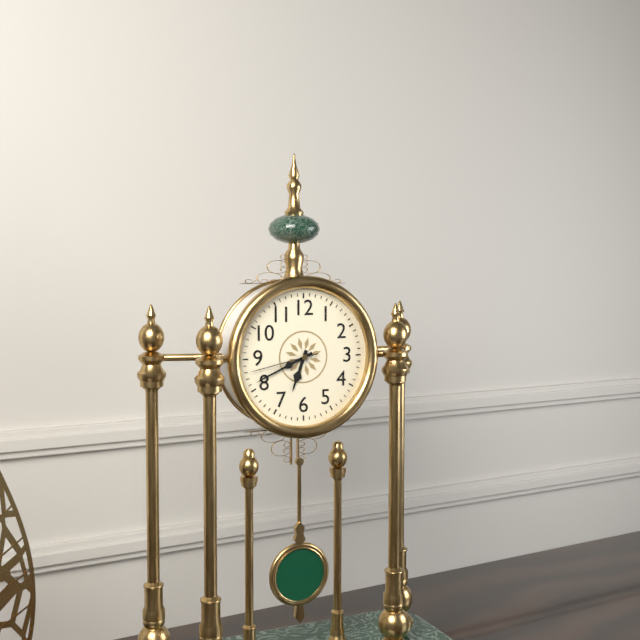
6:41:43
